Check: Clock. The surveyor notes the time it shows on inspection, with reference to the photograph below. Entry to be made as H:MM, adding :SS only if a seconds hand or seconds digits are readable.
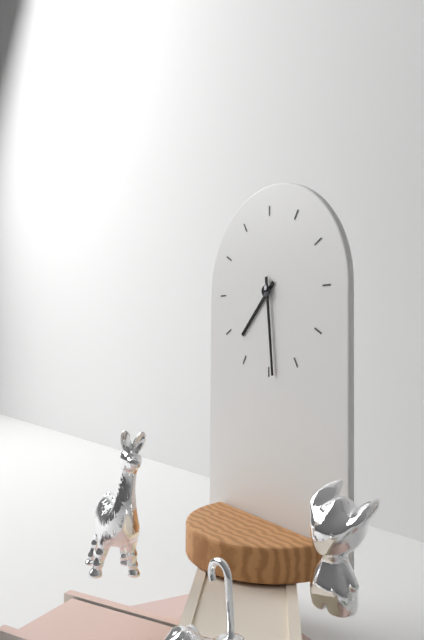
7:29
